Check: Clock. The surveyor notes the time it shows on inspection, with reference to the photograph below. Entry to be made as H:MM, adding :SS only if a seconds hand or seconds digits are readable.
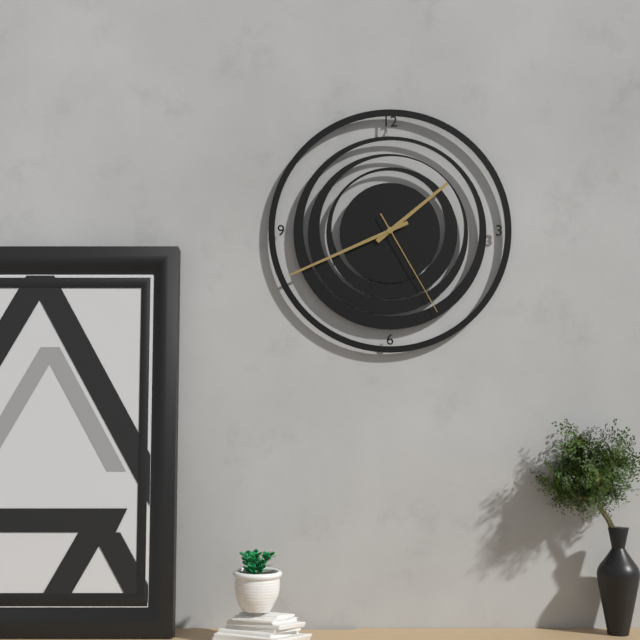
1:41:25
